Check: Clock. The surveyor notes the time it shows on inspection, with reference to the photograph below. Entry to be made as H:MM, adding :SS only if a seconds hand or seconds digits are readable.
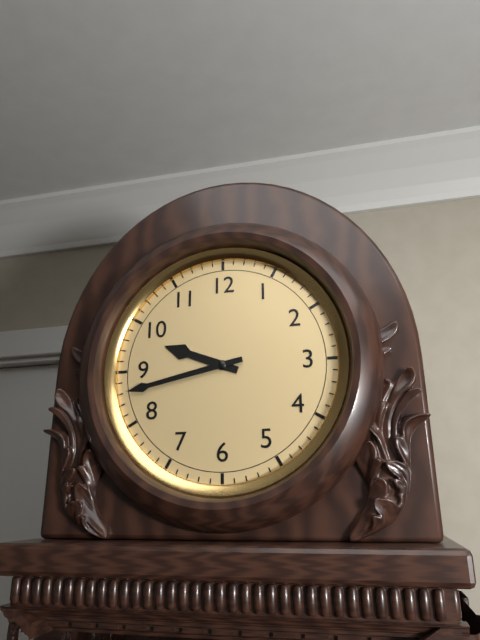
9:43
